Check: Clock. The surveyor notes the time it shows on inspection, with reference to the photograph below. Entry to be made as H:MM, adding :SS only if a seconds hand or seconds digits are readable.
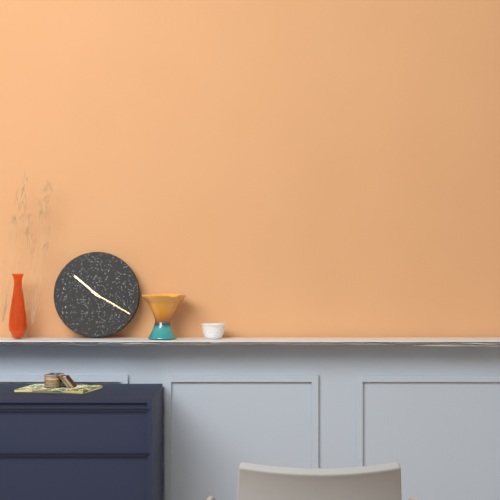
10:20
